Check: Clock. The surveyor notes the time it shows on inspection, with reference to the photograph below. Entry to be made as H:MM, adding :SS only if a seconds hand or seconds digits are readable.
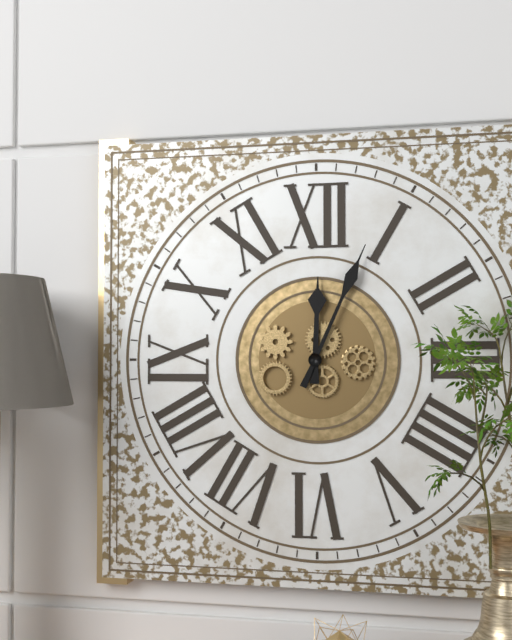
12:04
